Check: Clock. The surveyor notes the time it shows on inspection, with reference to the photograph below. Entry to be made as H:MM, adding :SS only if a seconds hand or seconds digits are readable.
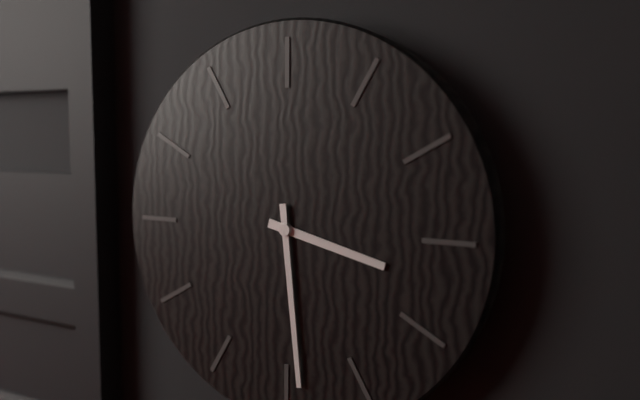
3:29
